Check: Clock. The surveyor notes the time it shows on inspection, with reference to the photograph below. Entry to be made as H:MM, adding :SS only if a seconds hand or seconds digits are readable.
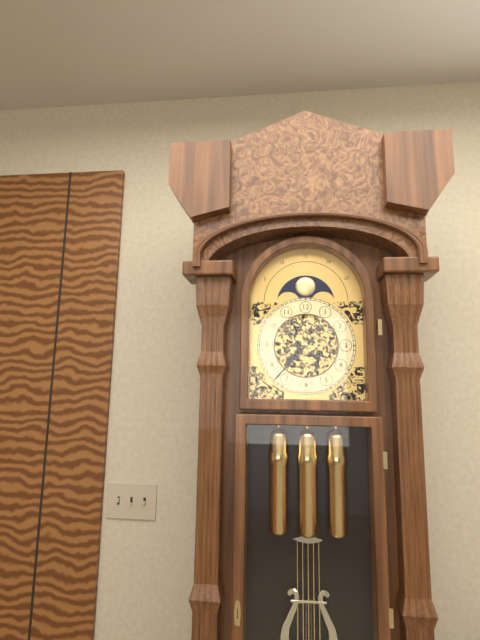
7:37
